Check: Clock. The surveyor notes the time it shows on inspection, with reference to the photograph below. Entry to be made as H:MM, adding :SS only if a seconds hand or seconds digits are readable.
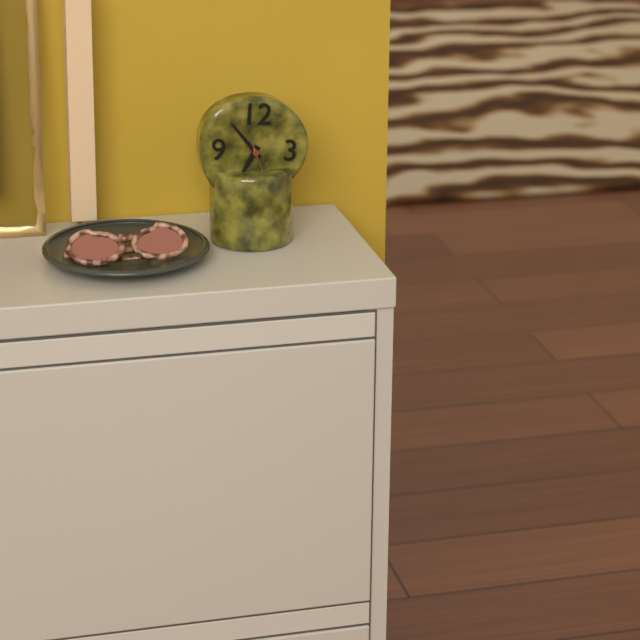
6:53
